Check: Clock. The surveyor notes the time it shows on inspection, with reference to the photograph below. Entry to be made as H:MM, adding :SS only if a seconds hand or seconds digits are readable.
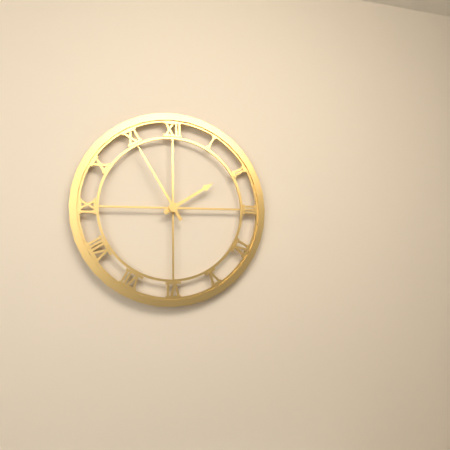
1:55
